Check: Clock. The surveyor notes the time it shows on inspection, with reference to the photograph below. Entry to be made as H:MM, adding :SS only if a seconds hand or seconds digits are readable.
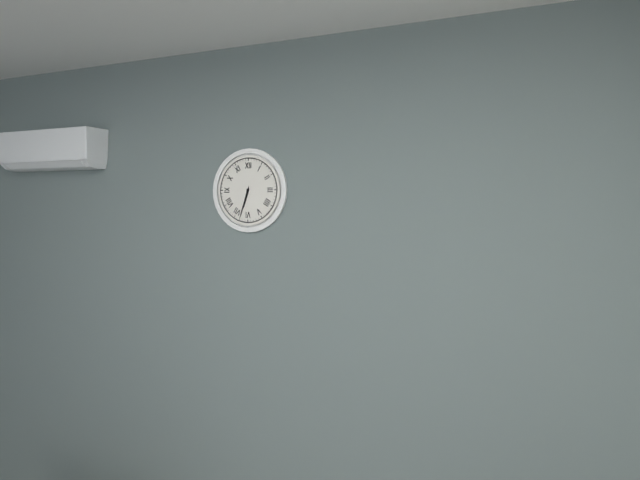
6:33
